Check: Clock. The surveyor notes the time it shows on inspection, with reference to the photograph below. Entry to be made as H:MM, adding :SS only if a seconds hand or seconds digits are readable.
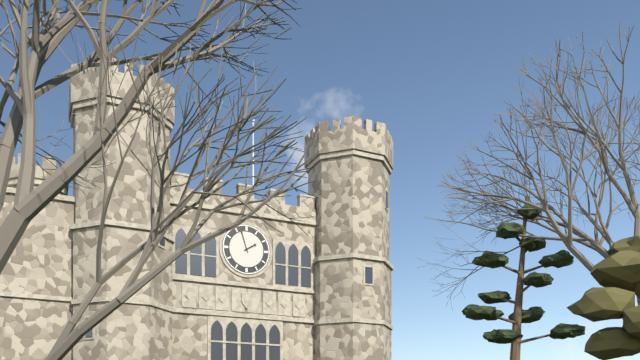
1:57
